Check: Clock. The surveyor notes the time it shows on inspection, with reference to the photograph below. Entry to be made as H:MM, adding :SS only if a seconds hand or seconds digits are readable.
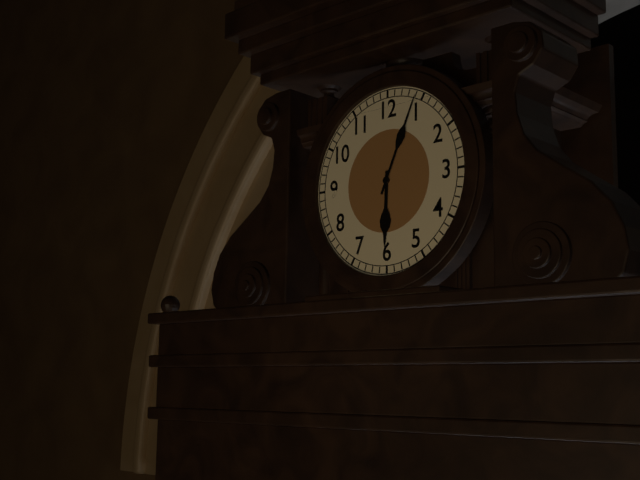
6:04
